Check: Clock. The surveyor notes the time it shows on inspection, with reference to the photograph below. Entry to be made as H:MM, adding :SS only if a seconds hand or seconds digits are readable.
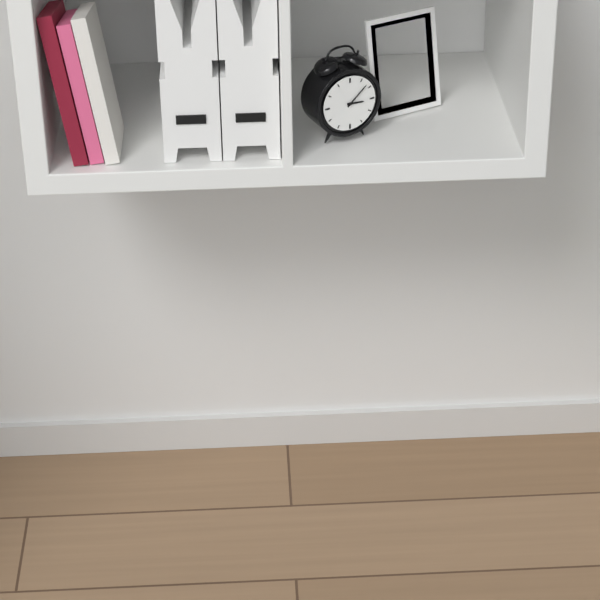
3:08
